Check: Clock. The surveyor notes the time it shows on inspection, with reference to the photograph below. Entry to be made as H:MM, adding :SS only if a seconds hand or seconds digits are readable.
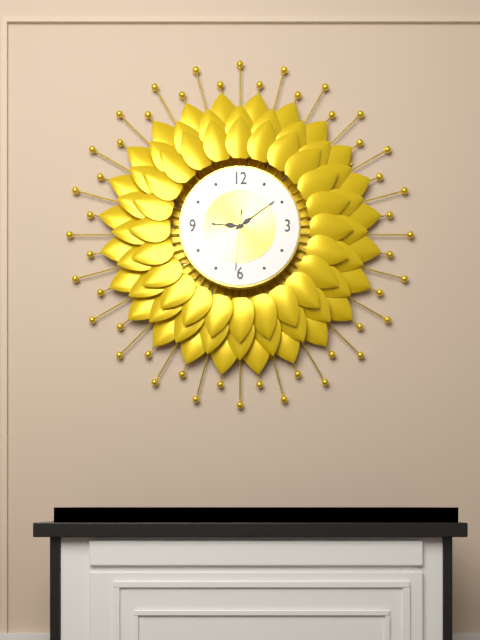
9:09:31
